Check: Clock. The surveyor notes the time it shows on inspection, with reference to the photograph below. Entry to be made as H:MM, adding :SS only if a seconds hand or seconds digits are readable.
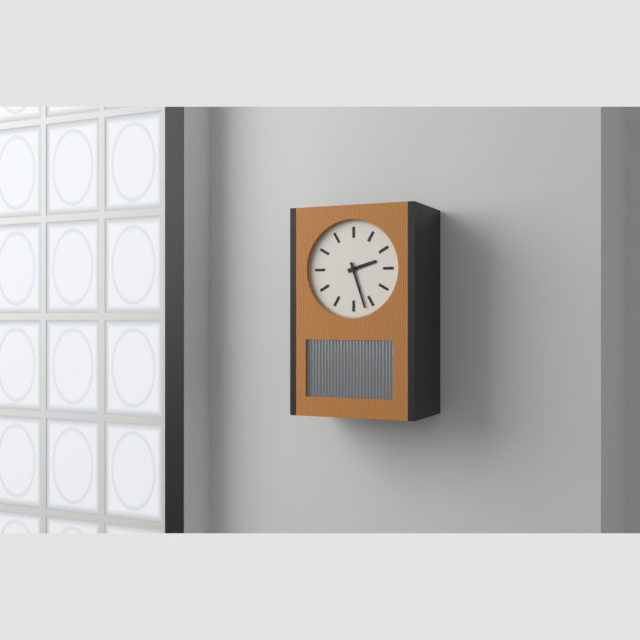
2:27
